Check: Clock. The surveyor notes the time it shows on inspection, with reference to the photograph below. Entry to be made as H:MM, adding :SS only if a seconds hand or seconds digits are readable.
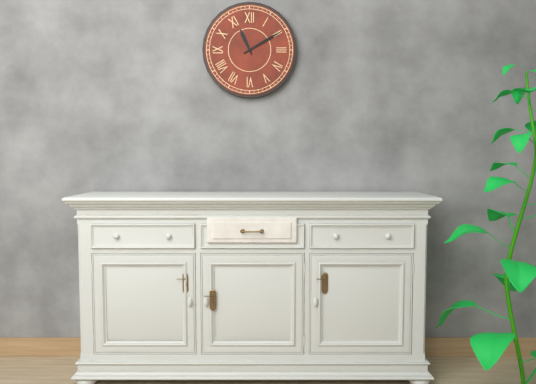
11:10
